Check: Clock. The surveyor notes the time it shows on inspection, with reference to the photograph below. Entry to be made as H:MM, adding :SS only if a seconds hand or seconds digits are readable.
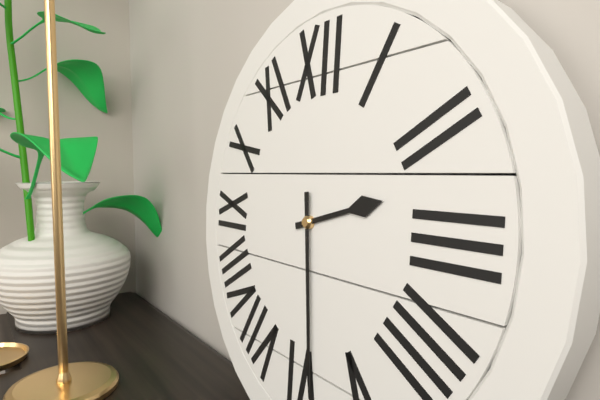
2:29
